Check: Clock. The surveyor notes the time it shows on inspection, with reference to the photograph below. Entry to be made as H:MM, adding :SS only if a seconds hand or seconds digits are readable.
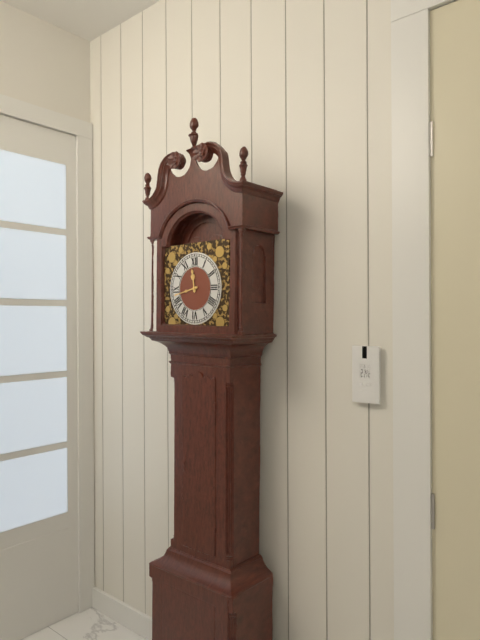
11:43
